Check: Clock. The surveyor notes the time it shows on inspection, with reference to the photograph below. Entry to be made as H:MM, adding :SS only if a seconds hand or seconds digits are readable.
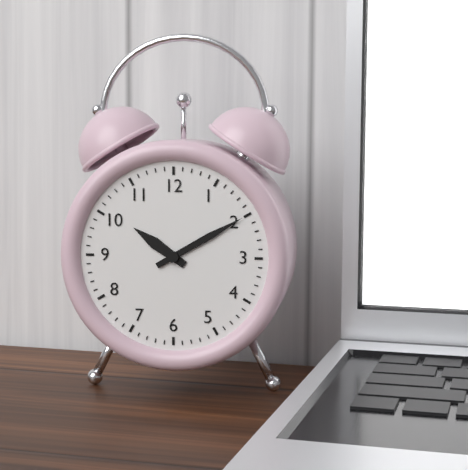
10:10
